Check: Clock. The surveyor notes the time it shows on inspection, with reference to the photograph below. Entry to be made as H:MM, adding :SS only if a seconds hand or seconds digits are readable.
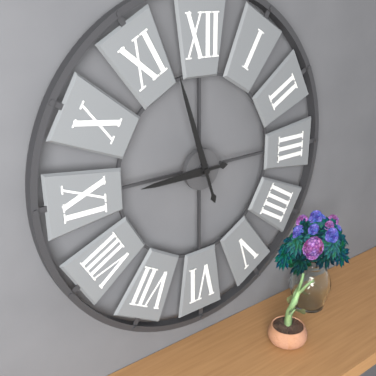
8:57
